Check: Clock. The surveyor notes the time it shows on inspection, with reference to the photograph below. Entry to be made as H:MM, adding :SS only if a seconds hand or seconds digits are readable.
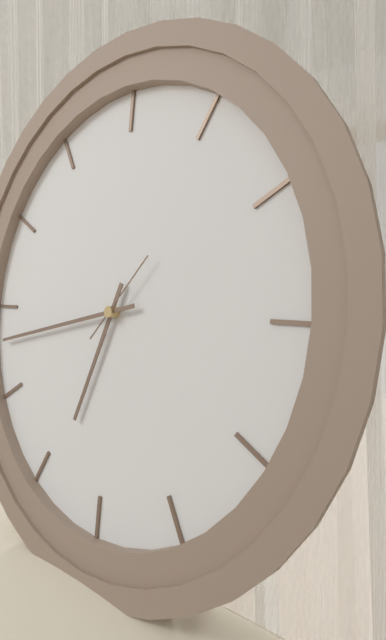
6:43:07
